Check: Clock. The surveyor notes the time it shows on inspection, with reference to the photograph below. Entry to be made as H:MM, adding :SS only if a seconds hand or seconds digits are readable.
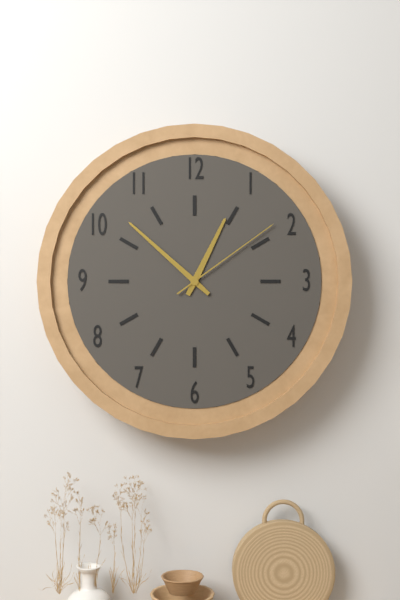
12:52:09
